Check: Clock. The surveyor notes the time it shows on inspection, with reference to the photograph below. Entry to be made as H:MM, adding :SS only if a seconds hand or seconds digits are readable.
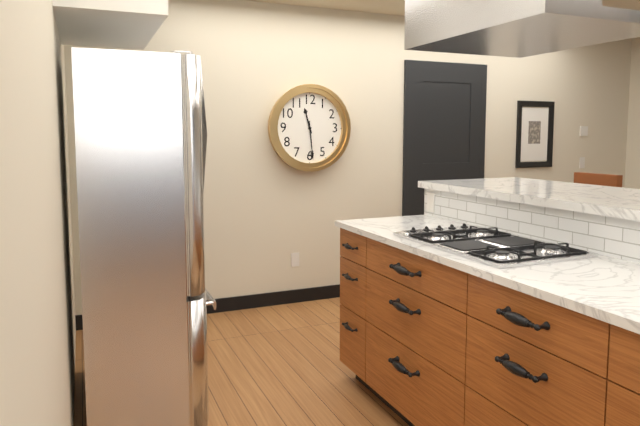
11:29
